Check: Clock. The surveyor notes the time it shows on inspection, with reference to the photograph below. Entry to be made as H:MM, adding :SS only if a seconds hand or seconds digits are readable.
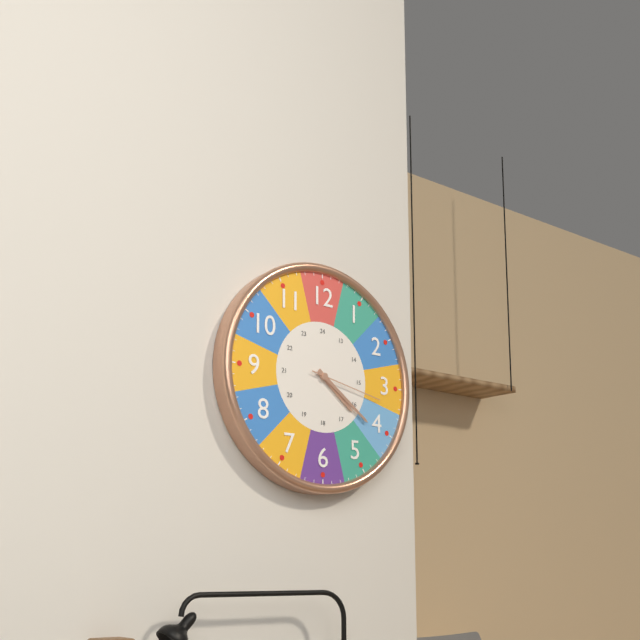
4:21:17
